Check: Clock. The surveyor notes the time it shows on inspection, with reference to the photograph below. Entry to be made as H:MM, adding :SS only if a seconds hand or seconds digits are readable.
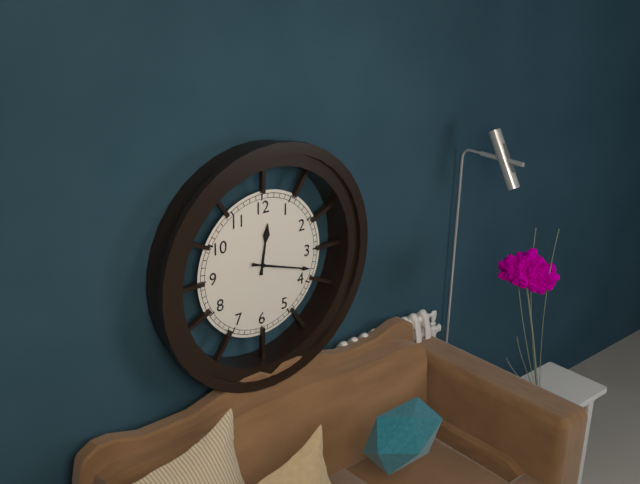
12:18
